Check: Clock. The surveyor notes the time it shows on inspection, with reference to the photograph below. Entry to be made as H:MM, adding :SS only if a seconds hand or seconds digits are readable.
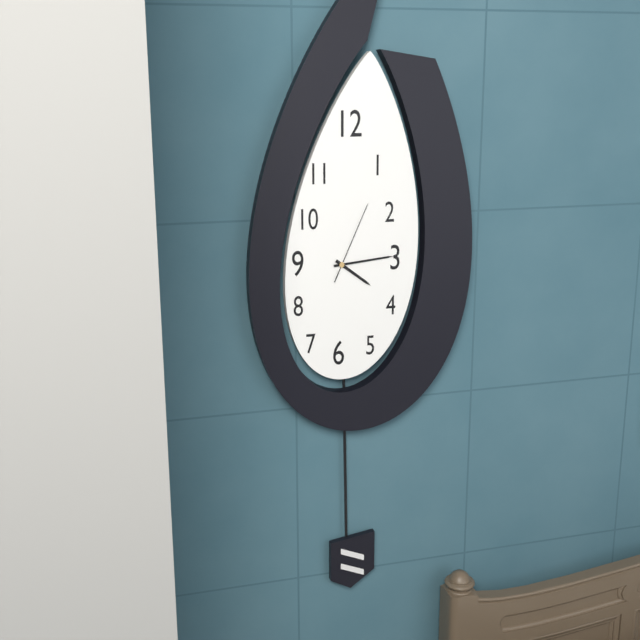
4:14:04
